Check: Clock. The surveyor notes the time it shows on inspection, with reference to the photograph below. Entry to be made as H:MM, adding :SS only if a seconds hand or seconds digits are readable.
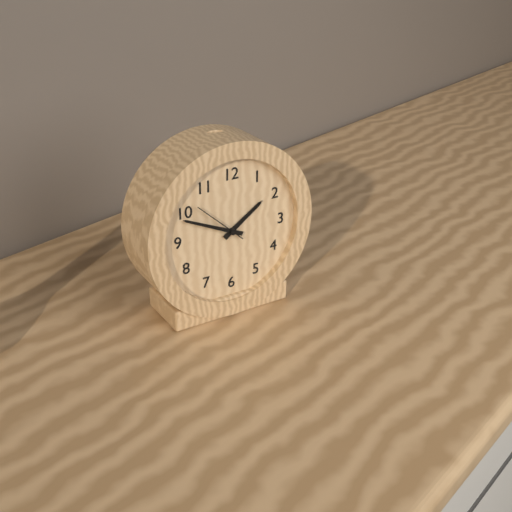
1:49:52
